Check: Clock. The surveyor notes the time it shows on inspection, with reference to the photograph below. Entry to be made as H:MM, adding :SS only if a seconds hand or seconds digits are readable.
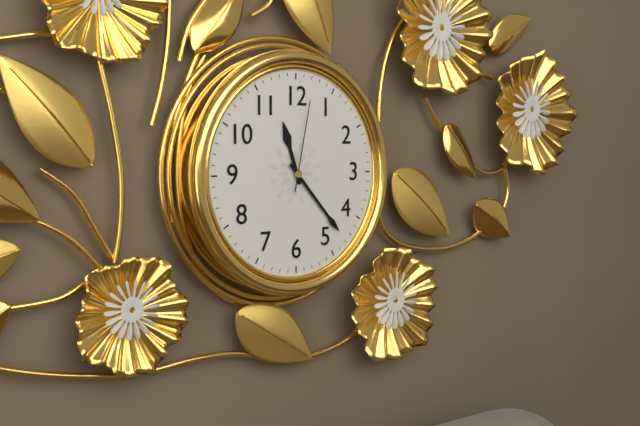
11:23:02
